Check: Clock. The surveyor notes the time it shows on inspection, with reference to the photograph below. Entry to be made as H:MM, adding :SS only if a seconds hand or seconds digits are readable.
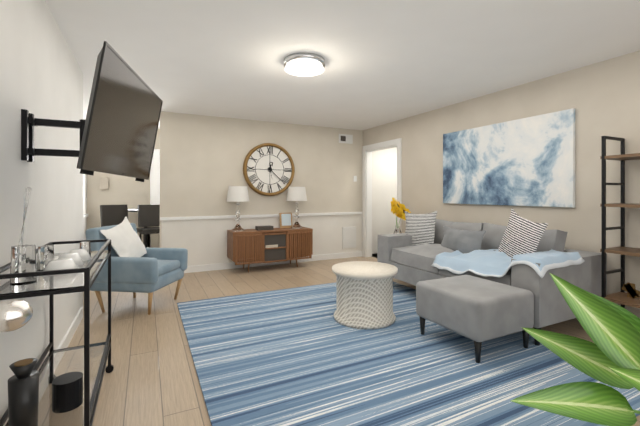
12:22
